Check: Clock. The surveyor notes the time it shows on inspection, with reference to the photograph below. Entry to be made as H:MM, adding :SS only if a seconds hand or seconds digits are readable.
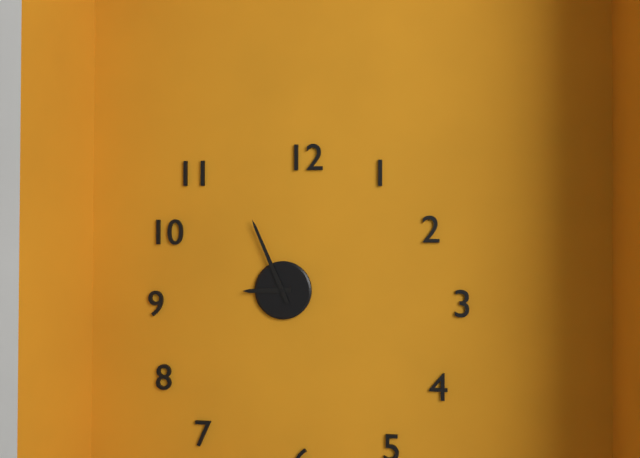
8:56
